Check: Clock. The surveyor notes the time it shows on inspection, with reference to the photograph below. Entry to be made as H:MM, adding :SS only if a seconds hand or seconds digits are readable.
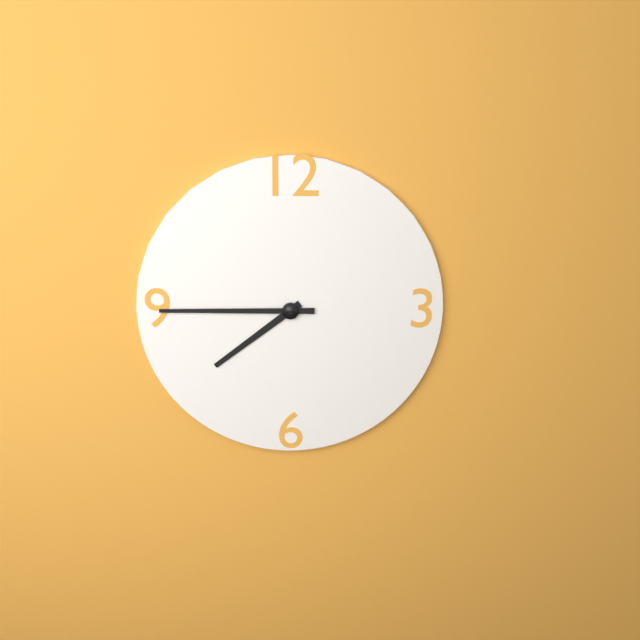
7:45
